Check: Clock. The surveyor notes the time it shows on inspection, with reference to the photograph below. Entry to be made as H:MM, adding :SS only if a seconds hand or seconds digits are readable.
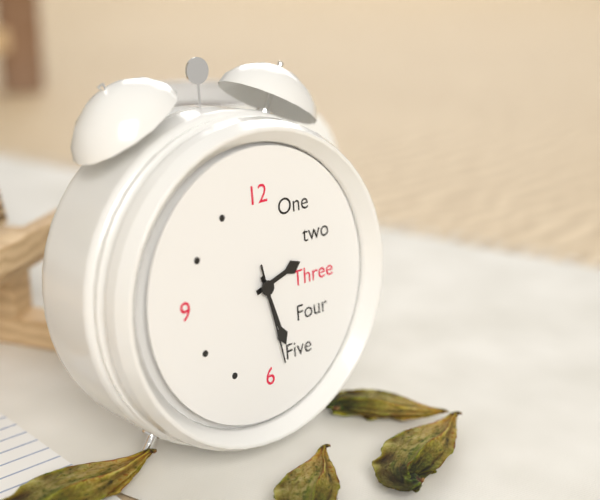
2:27:28
